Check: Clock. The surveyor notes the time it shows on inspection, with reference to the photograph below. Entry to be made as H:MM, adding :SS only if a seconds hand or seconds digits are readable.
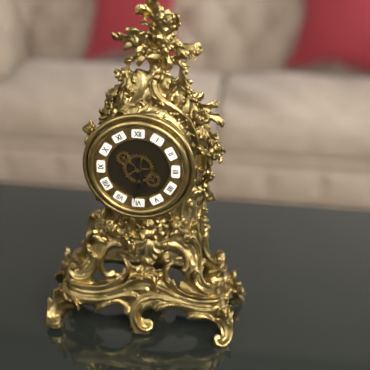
5:31
